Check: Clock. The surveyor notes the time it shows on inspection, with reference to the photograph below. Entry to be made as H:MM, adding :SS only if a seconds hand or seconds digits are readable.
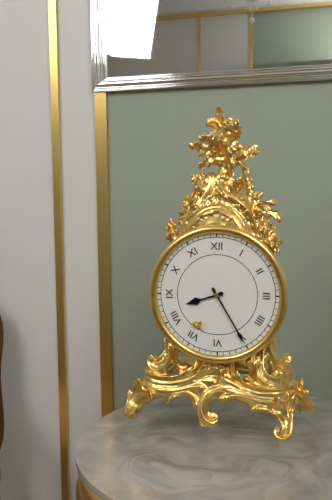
8:25
